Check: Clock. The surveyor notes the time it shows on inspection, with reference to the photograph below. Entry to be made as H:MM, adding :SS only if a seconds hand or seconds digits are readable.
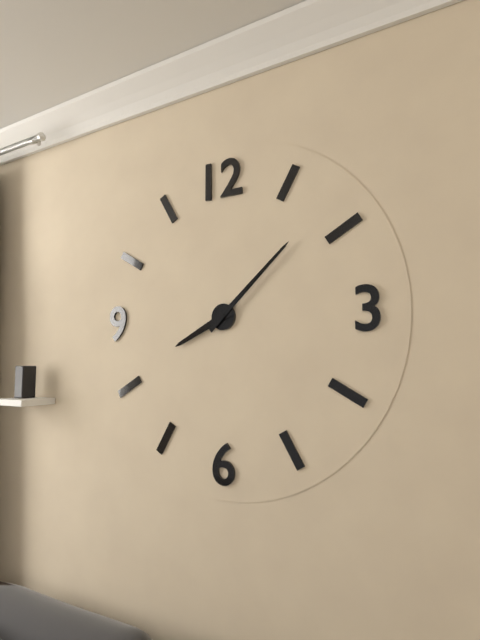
8:08
